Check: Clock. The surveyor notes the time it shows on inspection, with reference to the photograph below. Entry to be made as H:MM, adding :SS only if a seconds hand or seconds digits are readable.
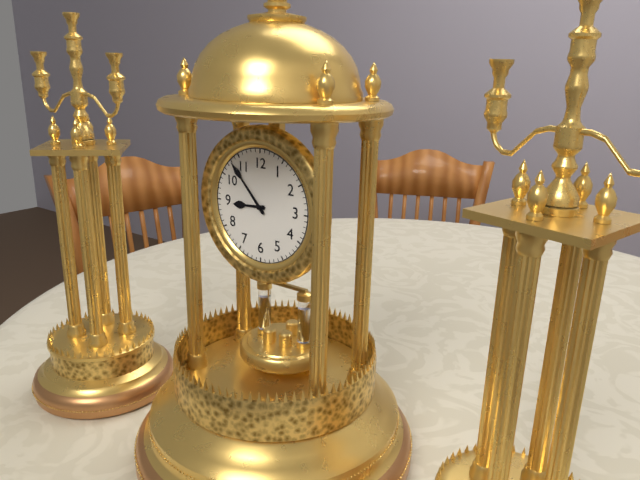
8:53
